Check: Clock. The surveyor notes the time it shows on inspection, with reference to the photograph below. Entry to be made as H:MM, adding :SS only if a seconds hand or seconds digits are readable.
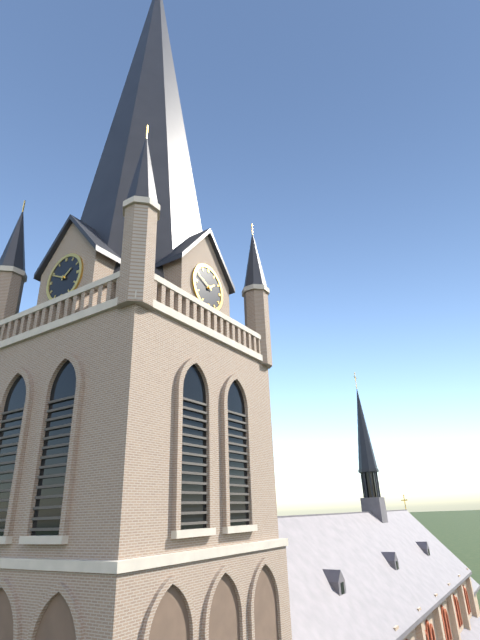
1:49
